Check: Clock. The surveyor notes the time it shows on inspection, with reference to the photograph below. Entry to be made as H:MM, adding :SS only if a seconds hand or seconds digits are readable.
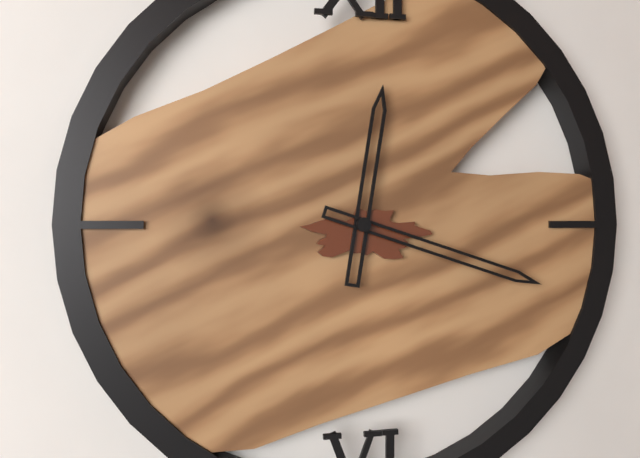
12:18
